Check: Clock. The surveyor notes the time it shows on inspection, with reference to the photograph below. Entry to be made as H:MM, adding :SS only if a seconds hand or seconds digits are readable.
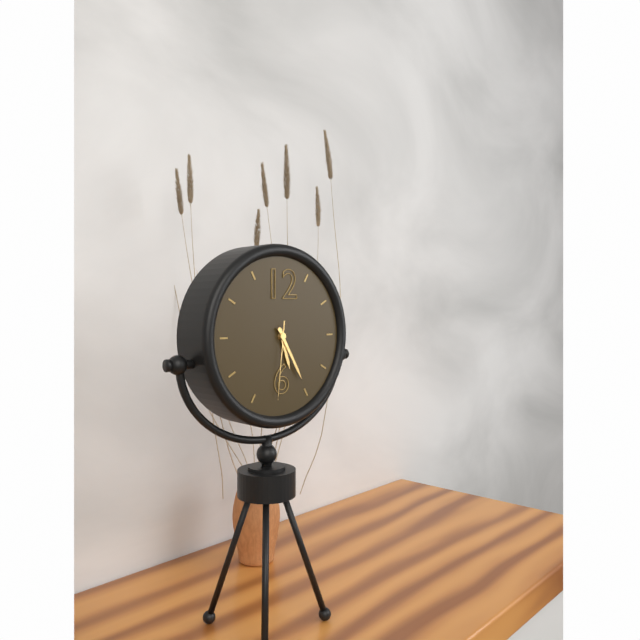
5:25:31
